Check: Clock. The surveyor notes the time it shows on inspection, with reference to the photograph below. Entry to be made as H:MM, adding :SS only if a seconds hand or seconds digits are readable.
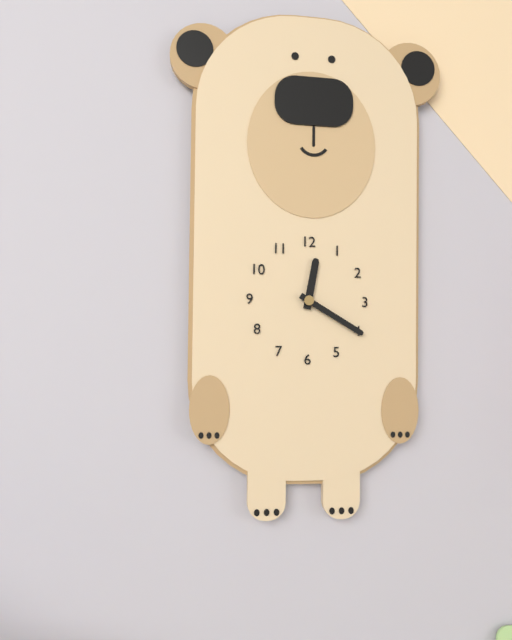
12:20
